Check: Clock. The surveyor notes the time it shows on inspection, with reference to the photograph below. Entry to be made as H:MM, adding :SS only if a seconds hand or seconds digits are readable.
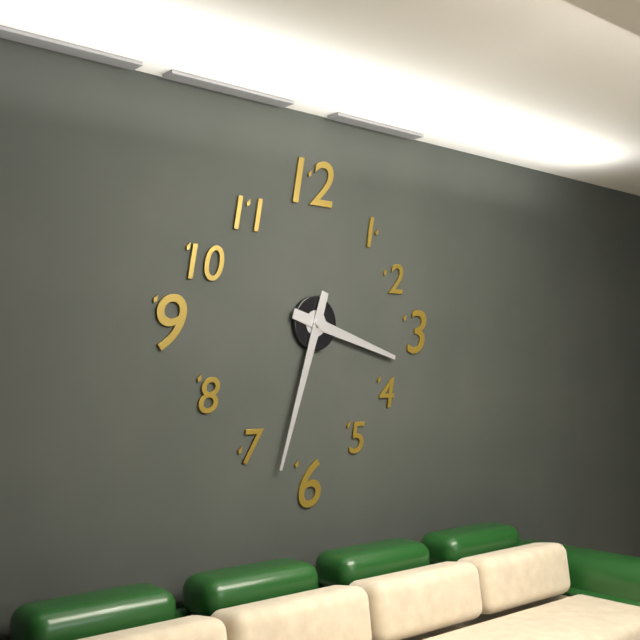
3:33
